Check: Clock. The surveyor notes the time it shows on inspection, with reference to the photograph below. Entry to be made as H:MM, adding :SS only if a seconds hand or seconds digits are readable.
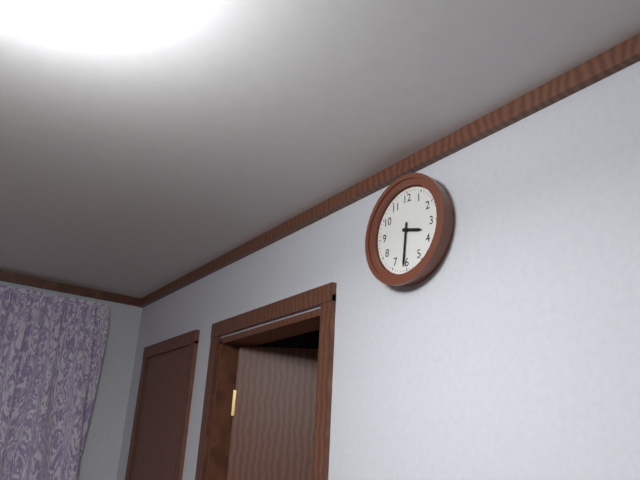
3:31
